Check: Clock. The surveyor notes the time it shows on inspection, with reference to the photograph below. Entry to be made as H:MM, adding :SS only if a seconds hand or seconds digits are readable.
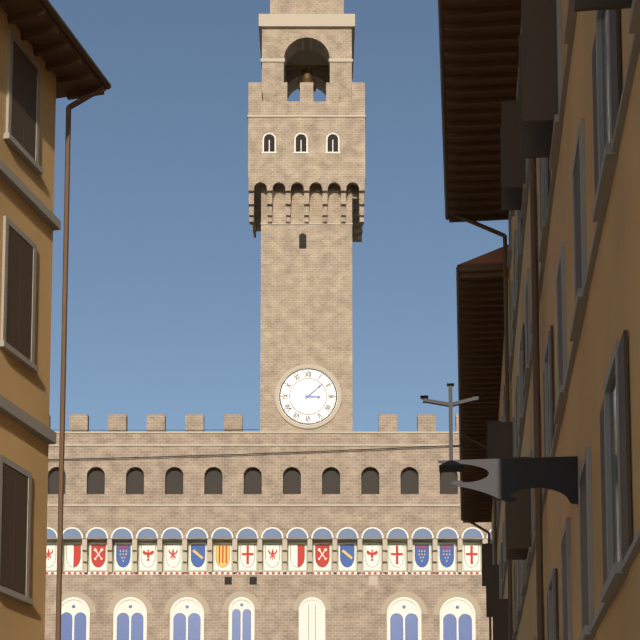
3:08
